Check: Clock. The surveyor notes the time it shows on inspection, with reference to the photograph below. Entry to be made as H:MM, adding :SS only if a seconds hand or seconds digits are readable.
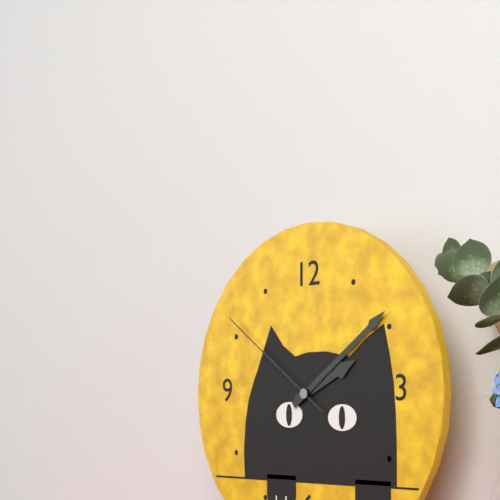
2:09:51
